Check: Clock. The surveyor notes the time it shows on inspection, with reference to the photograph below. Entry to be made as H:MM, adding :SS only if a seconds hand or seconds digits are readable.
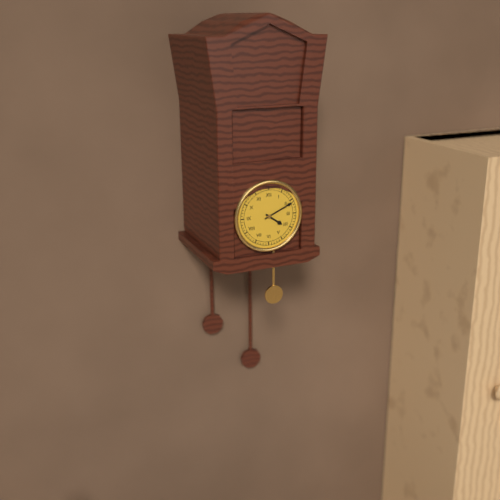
4:11
